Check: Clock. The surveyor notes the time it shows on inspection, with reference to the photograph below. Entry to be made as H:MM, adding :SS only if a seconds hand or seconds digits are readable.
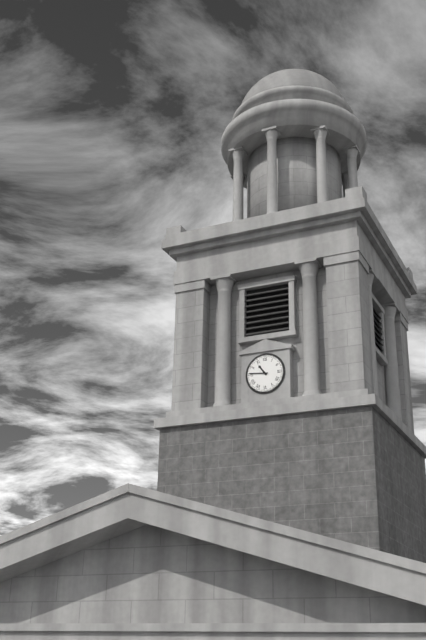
10:46
